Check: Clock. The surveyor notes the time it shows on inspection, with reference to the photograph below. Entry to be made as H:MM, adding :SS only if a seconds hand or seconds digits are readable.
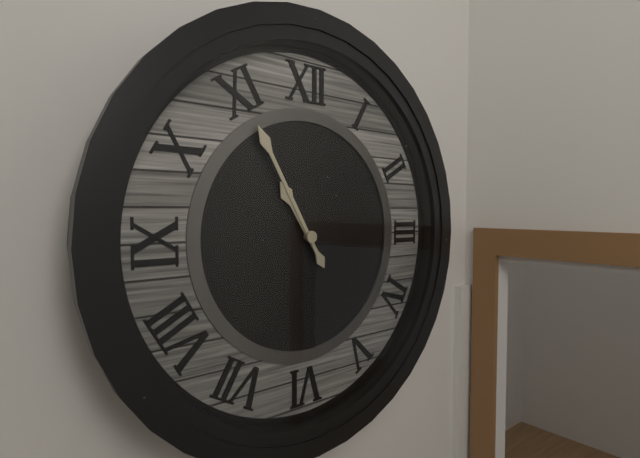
10:55
